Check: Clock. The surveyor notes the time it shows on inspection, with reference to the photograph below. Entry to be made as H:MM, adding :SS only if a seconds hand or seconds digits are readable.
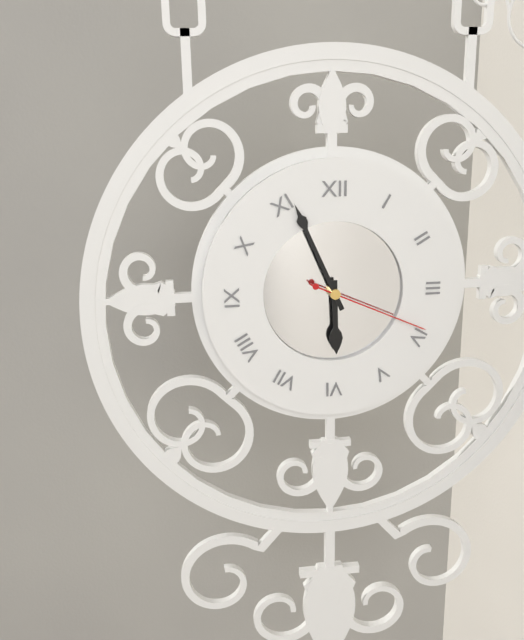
5:56:19
